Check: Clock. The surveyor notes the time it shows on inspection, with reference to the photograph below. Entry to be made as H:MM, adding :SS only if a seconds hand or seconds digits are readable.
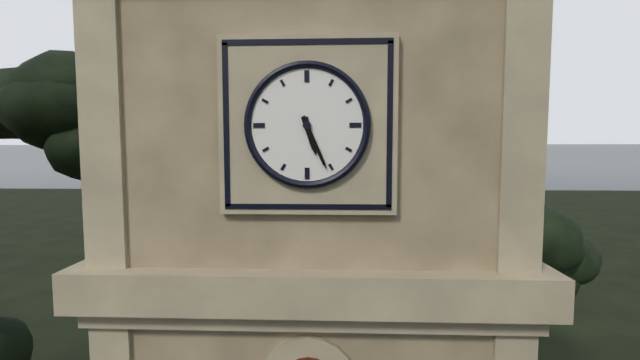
5:26
